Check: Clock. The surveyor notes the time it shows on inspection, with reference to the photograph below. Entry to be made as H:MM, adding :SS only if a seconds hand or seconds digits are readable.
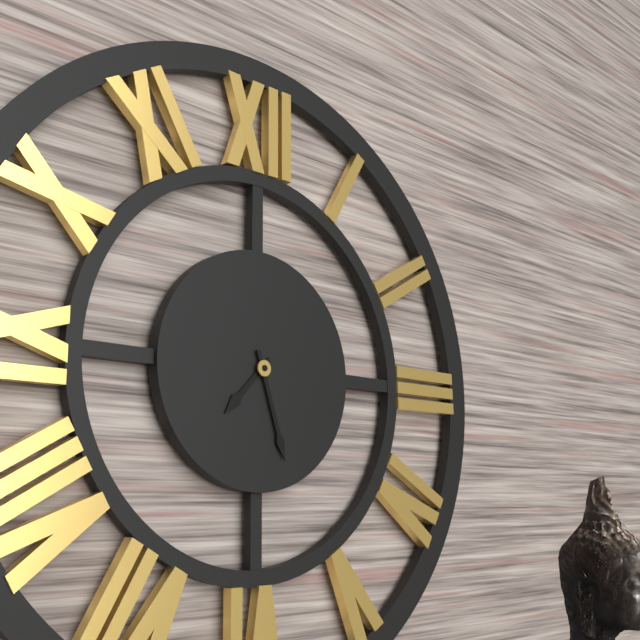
7:27
